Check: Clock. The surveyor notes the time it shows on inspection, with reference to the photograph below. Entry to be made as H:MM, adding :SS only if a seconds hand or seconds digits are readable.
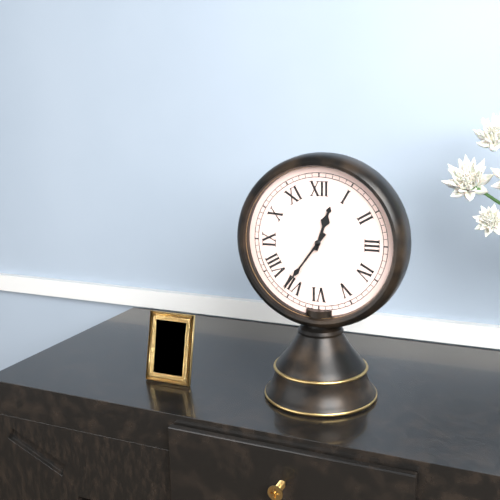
12:36
